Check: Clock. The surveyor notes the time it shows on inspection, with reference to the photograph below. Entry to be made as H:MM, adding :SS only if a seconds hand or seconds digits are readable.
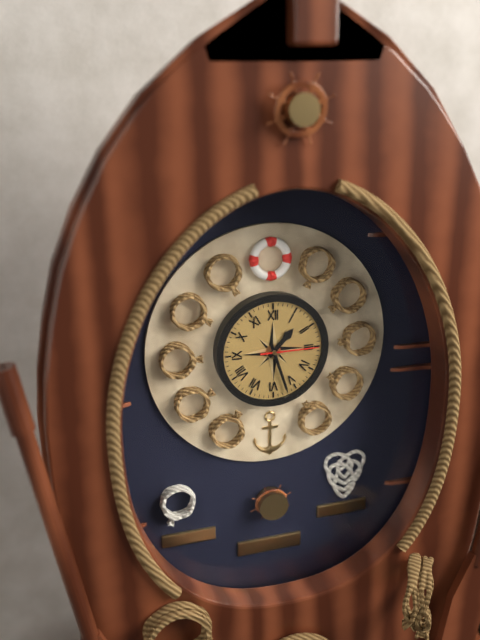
1:27:15
